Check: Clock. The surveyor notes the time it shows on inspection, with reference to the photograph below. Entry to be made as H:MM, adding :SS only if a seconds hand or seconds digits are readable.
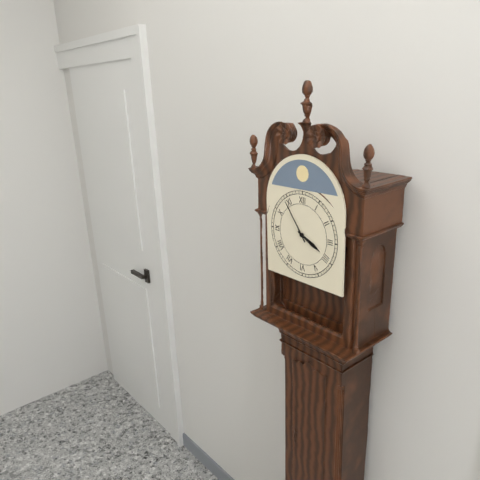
3:54
